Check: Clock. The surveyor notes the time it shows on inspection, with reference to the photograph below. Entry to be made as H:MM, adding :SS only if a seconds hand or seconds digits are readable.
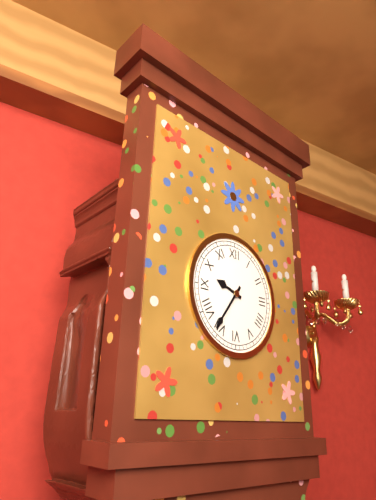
9:36
